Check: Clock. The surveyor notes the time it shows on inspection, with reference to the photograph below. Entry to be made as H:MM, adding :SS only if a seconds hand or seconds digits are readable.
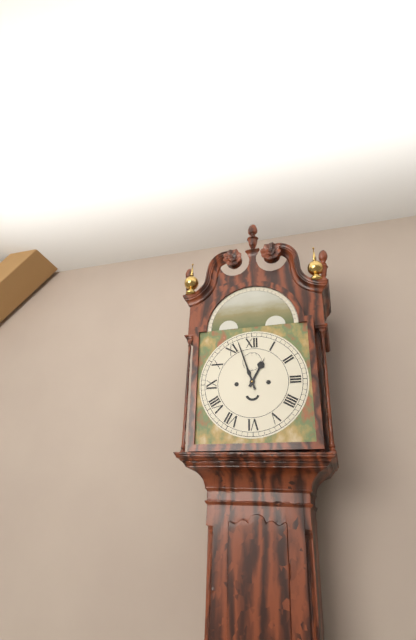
12:57
